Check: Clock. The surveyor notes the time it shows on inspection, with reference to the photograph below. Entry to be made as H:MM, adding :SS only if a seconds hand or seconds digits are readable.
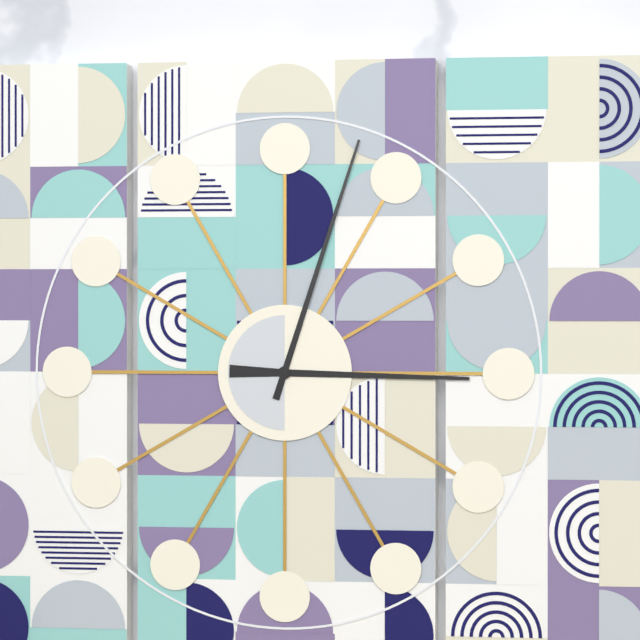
3:03
